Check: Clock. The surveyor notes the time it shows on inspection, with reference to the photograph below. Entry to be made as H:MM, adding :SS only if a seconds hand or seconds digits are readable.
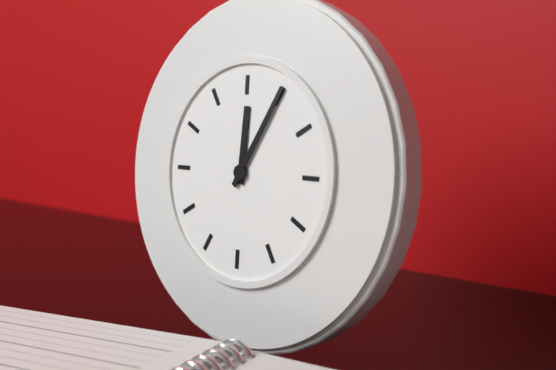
12:05
